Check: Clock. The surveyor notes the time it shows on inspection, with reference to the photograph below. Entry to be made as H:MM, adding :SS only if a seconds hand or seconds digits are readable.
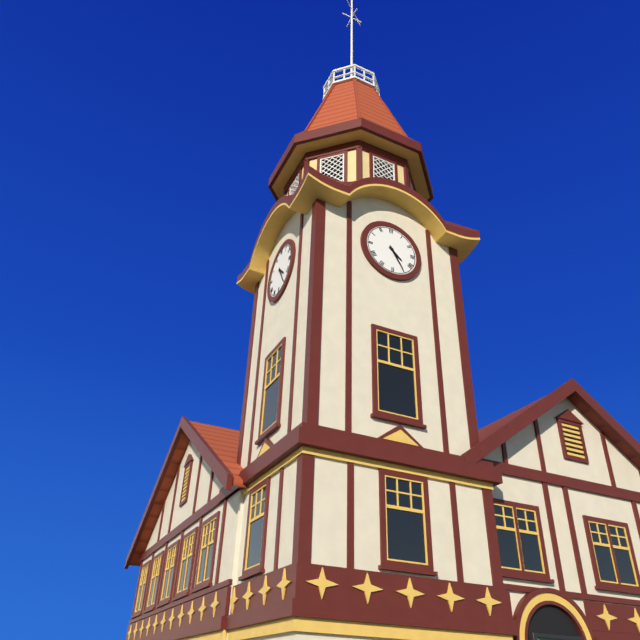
4:25
